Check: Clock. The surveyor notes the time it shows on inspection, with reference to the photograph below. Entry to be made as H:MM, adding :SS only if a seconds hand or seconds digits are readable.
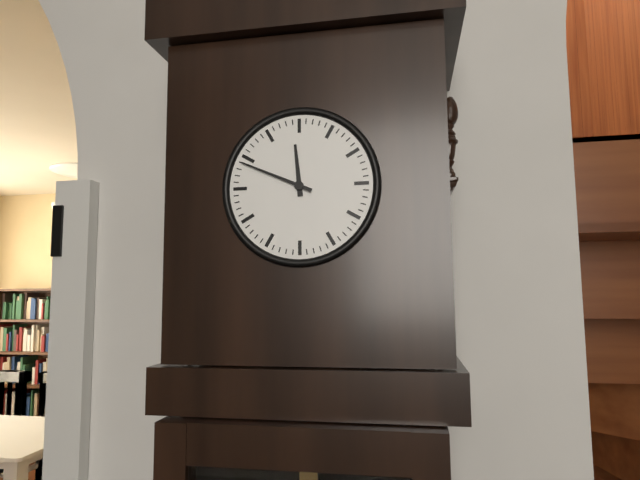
11:49
